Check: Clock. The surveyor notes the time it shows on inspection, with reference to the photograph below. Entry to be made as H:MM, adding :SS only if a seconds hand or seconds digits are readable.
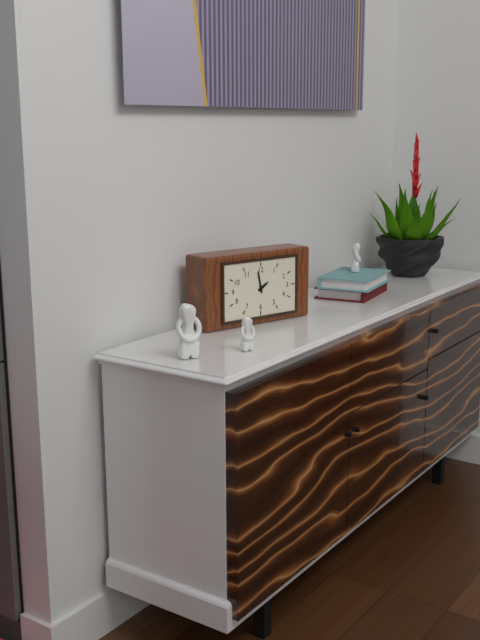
1:58
